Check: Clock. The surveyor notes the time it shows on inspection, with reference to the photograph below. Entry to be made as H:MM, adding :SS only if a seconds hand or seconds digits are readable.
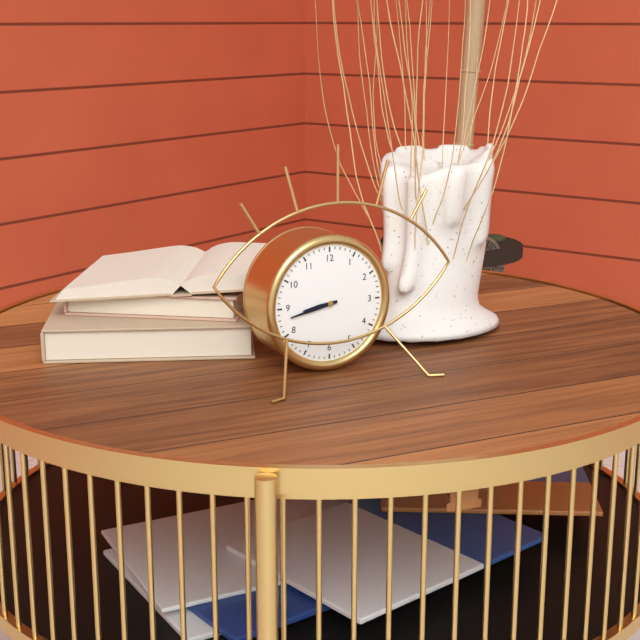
8:43
